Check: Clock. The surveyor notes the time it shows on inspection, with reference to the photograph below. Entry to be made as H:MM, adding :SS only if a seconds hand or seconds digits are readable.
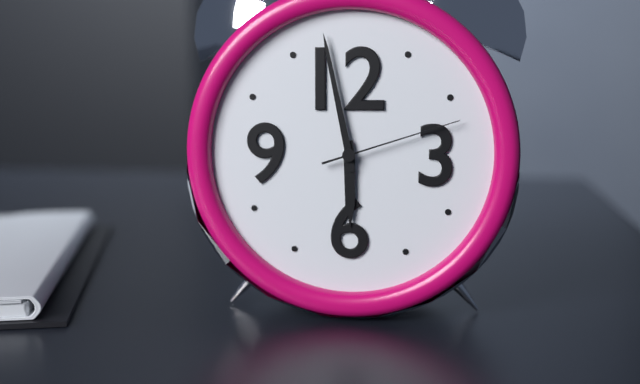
5:58:12
